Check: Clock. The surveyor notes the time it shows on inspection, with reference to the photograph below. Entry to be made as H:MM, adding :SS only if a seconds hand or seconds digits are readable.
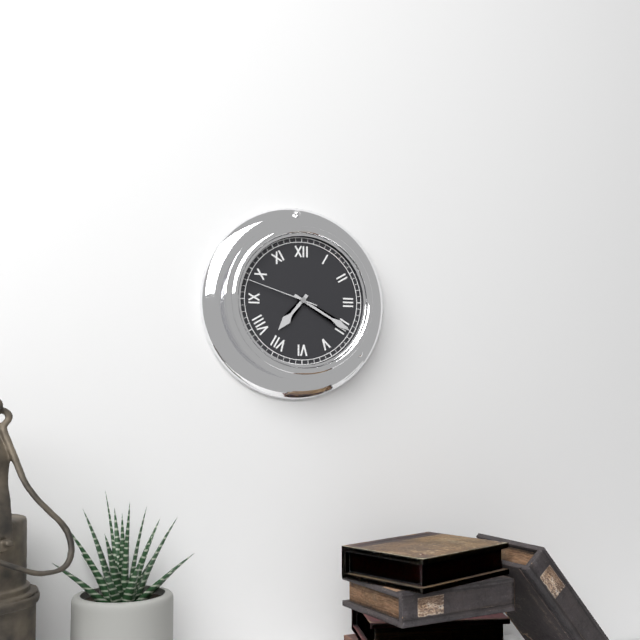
7:20:48
